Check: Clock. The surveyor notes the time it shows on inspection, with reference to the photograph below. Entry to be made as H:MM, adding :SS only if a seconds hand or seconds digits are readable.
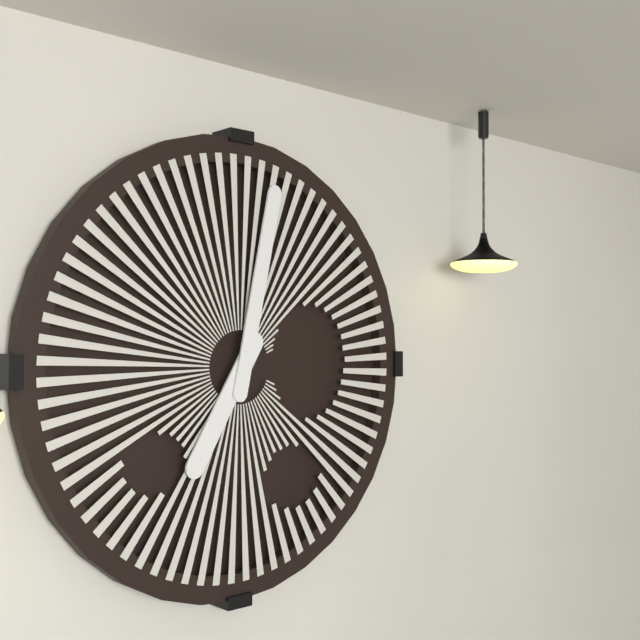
7:02
